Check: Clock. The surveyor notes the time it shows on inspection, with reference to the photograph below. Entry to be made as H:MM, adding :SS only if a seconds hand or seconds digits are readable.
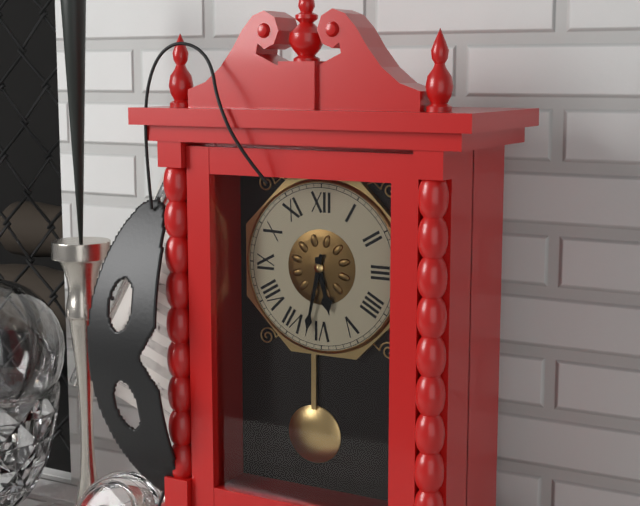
5:32
